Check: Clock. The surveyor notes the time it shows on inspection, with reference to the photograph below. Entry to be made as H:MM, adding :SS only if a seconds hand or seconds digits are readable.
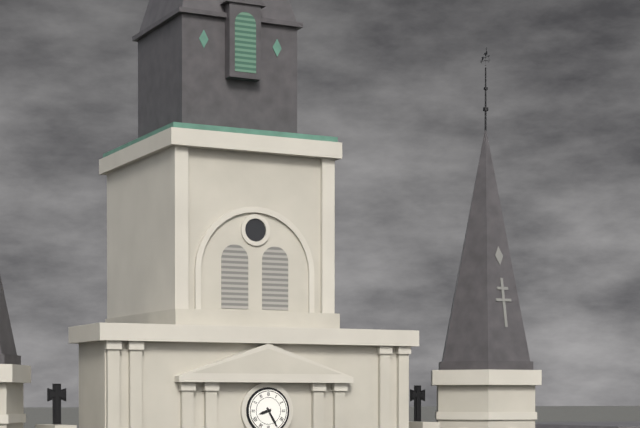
8:25
